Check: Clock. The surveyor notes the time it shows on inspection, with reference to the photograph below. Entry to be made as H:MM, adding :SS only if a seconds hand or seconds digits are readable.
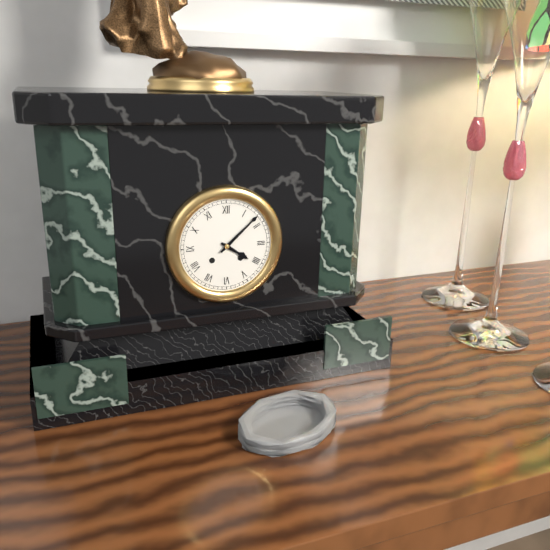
4:08
